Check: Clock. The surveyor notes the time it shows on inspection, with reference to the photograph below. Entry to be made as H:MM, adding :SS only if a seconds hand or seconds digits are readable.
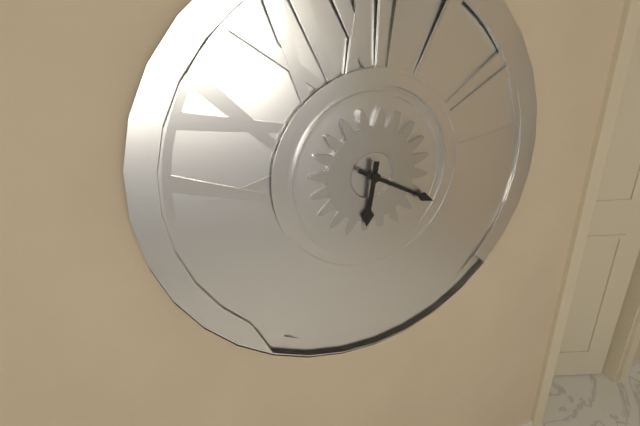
6:20
